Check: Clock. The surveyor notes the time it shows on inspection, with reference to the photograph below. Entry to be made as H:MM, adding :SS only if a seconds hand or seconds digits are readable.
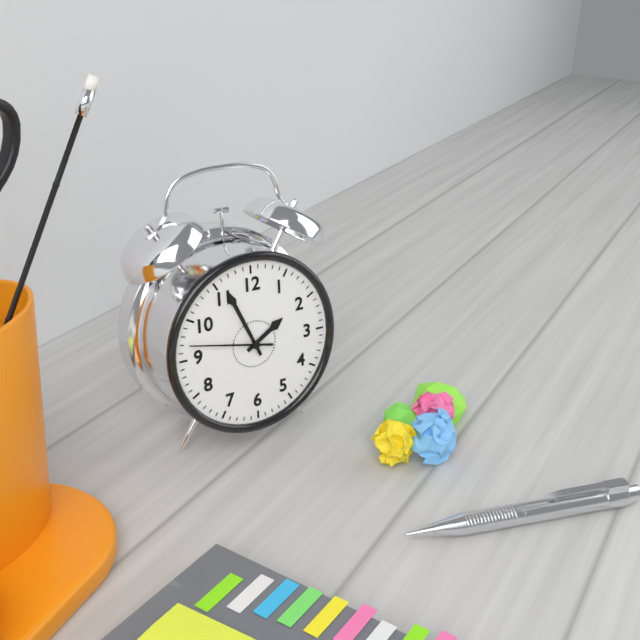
1:56:47
